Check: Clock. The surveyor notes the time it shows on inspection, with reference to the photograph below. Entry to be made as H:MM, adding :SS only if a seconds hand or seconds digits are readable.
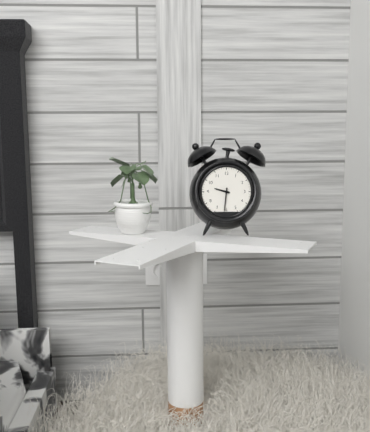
9:31
